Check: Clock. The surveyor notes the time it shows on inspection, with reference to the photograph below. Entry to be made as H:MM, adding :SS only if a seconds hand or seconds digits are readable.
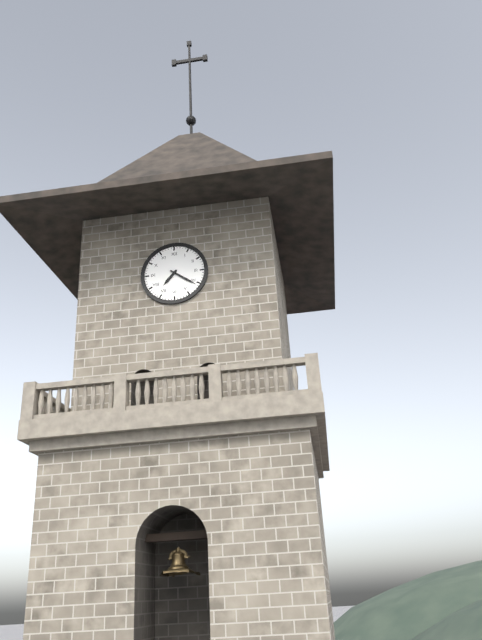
7:21
